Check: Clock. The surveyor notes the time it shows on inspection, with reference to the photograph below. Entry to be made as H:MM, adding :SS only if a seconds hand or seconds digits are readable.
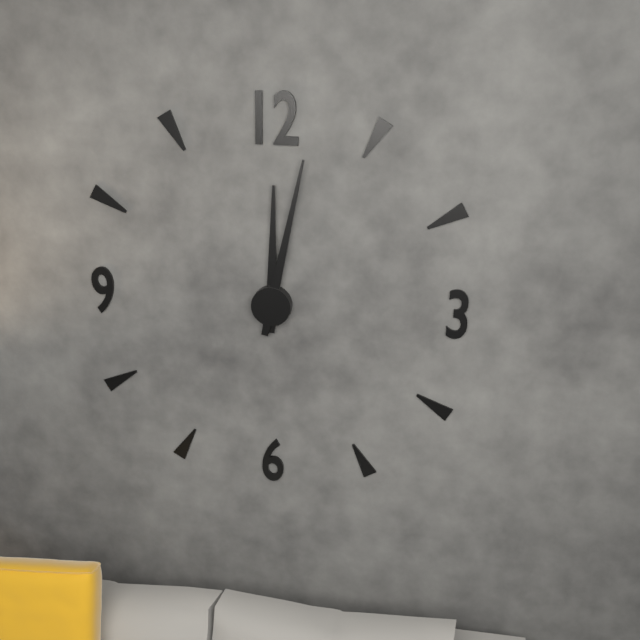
12:02
